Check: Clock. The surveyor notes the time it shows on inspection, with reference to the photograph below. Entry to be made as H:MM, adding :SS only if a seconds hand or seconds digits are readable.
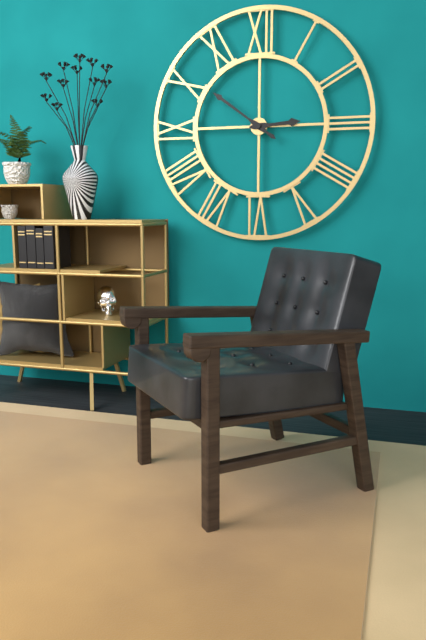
2:51
